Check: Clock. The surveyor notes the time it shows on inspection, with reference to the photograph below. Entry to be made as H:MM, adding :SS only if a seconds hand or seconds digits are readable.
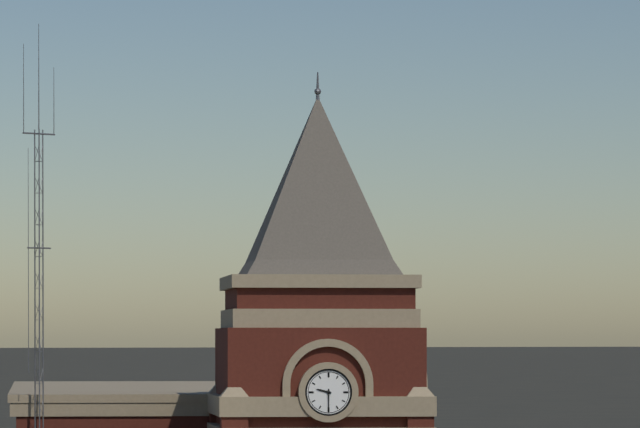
9:30
